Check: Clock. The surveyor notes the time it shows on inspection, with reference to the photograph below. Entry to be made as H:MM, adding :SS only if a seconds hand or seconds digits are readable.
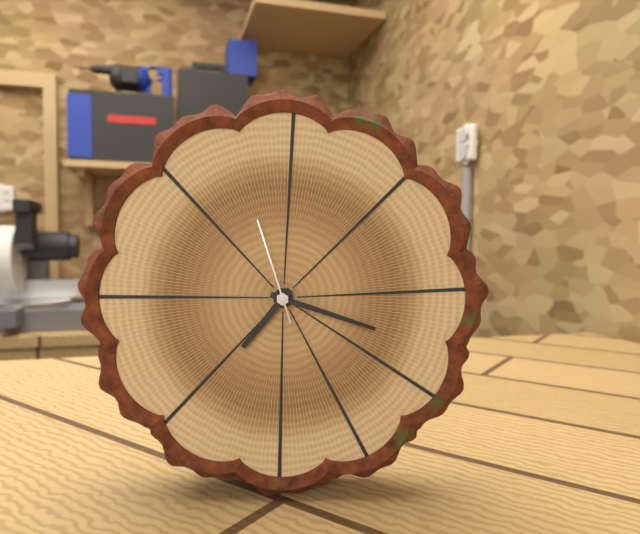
7:18:57
